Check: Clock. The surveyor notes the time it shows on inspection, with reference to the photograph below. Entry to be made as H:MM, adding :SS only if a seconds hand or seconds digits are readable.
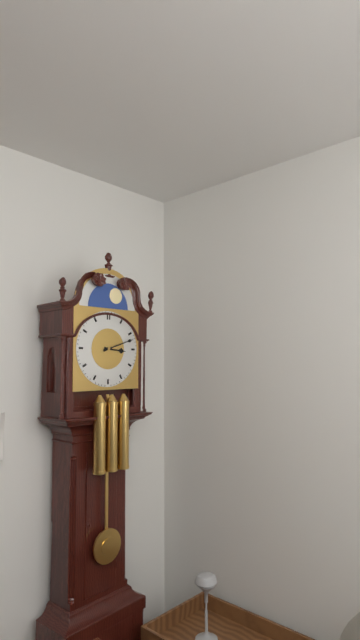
3:12
